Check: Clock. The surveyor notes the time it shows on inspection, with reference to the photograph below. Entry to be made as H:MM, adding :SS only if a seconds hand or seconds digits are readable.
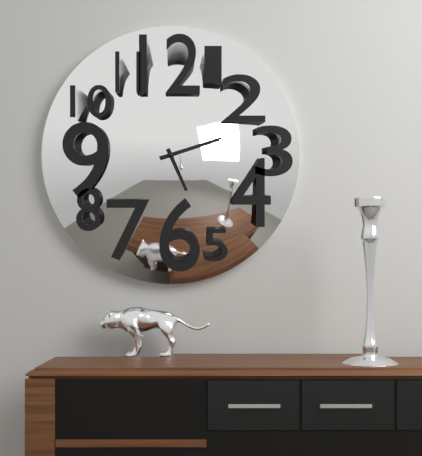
5:12
